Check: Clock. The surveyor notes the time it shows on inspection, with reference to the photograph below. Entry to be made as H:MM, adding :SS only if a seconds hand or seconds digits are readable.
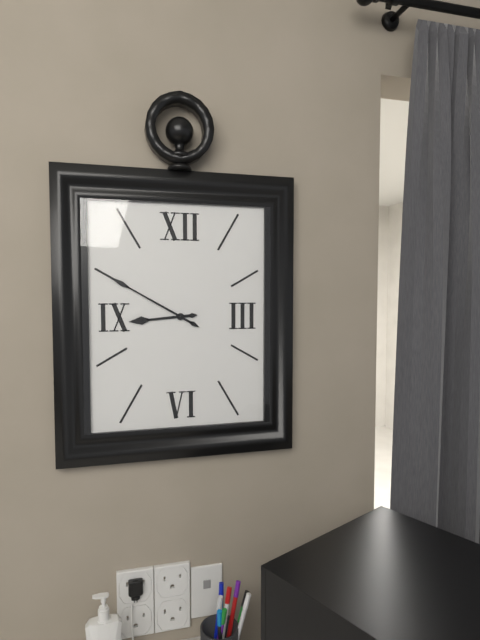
8:50
